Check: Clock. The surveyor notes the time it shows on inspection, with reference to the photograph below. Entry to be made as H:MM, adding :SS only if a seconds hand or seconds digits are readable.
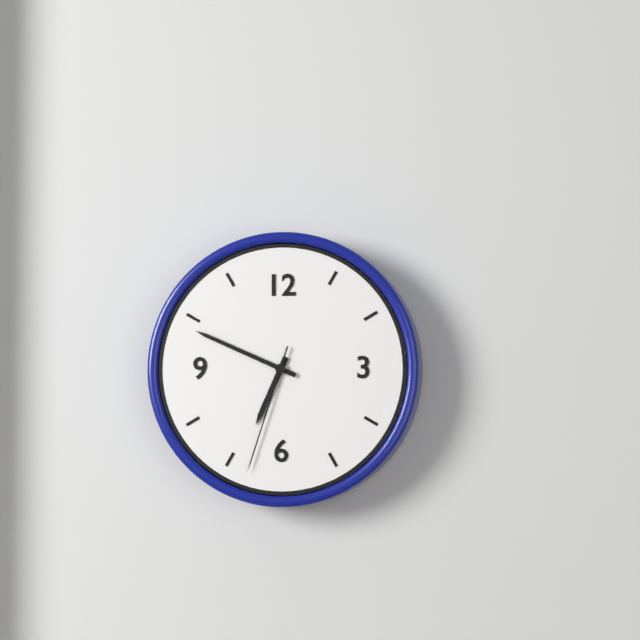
6:49:33
